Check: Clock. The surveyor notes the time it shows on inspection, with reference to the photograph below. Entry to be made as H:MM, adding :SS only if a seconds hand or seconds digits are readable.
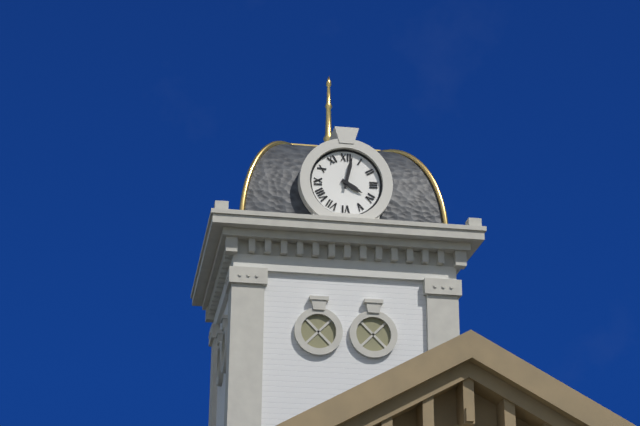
4:02
